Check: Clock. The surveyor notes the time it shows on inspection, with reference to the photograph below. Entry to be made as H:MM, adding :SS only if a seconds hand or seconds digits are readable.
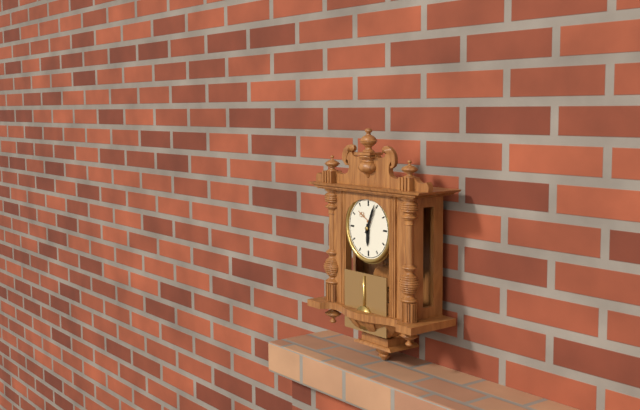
6:04
